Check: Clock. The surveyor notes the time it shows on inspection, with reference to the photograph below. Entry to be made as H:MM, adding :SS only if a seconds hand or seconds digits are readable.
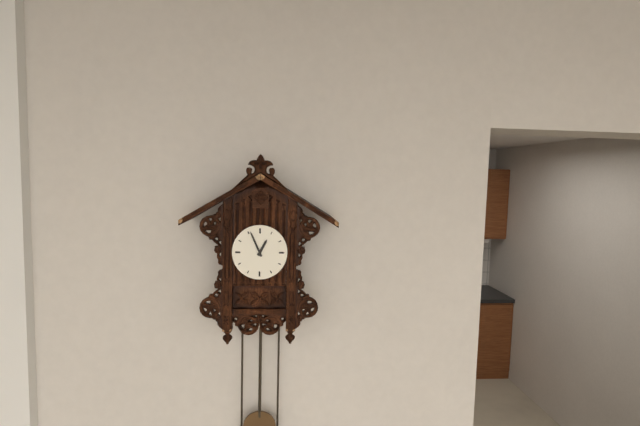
12:56
